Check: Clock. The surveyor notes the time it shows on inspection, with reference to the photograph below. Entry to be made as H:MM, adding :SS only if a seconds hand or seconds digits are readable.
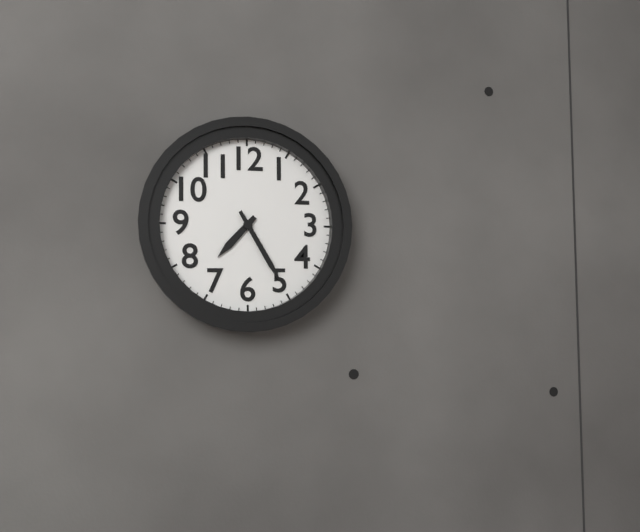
7:25
